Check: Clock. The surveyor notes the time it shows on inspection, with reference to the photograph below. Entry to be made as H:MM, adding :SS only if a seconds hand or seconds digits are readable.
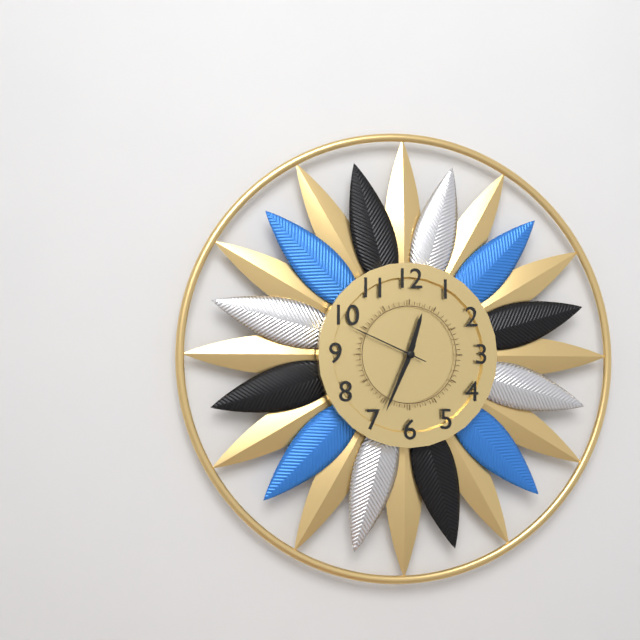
12:34:49
